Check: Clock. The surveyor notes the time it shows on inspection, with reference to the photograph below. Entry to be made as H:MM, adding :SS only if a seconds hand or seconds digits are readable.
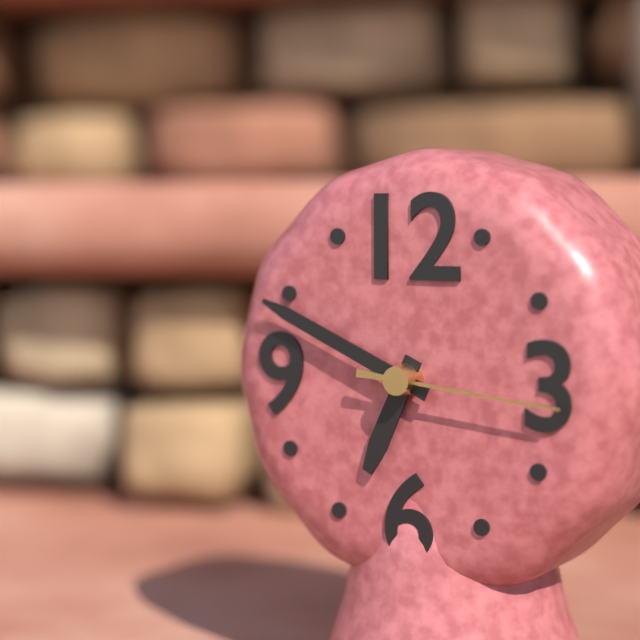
6:49:16
